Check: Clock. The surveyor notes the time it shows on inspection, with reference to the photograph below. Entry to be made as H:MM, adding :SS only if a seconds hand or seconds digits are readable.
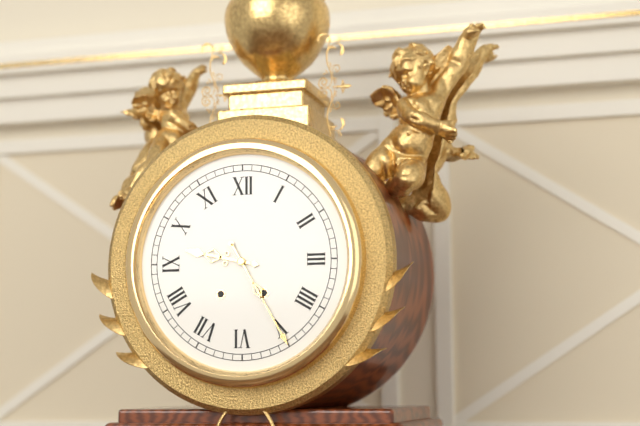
9:25
